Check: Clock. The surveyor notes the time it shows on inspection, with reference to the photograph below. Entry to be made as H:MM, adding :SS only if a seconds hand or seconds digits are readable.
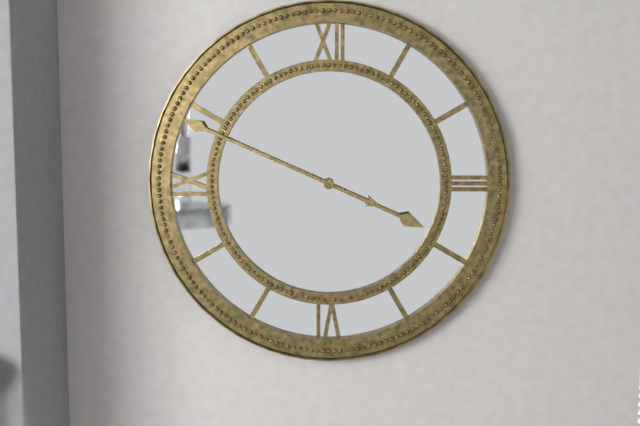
3:49
